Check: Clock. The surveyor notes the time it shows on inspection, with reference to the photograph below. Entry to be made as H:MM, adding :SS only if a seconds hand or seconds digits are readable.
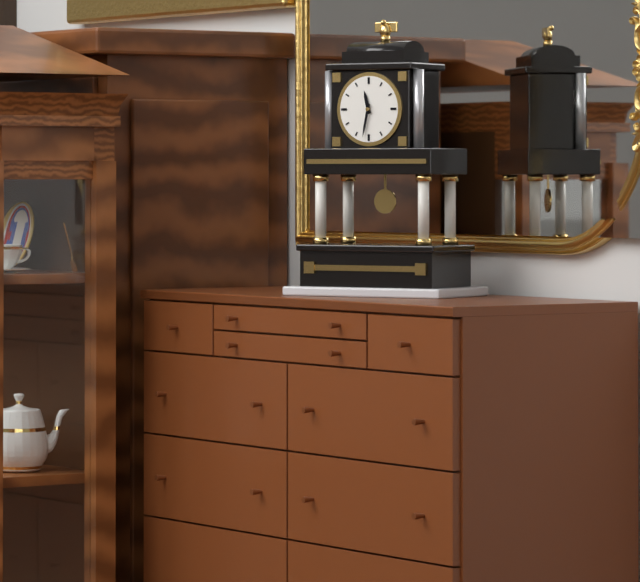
11:32
